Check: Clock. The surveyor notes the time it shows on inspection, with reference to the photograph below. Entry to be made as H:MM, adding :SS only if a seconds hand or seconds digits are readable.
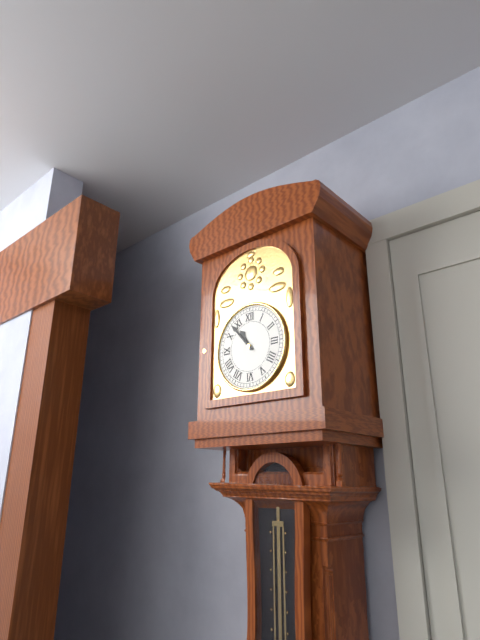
10:53
